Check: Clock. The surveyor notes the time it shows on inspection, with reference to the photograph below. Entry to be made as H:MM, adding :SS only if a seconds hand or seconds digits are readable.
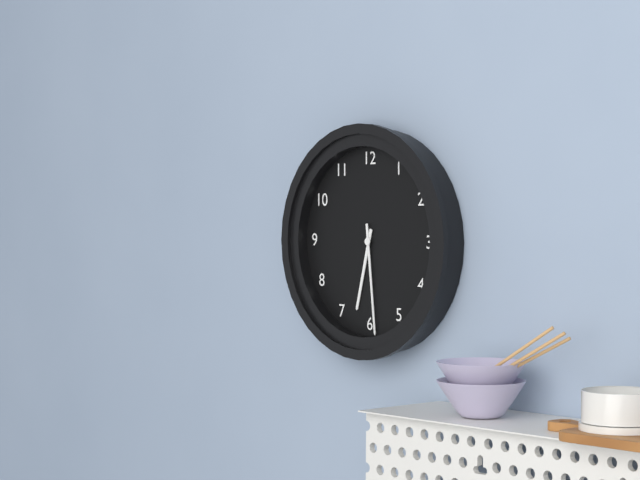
6:29
